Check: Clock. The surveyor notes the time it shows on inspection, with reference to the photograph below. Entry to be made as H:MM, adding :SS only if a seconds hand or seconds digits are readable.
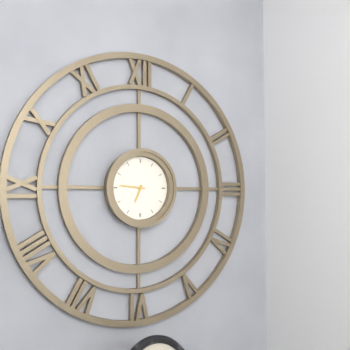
6:46
